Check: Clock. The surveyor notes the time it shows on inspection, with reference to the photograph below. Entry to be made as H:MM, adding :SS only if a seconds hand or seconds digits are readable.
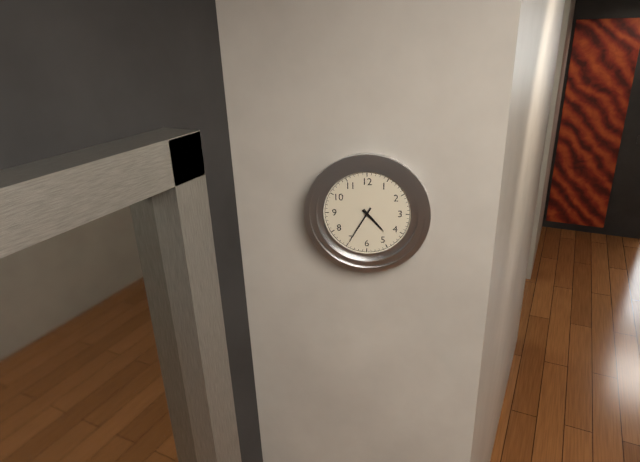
4:35
